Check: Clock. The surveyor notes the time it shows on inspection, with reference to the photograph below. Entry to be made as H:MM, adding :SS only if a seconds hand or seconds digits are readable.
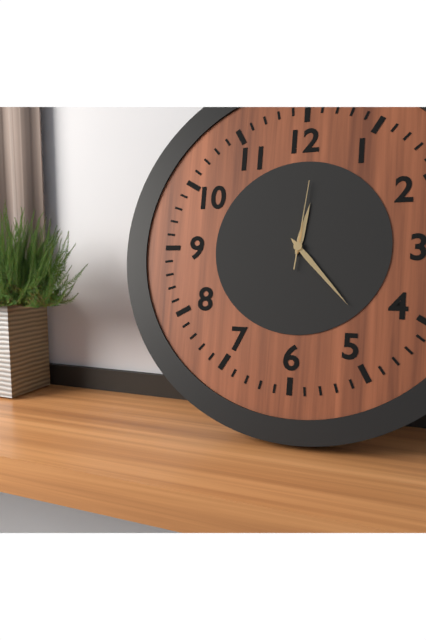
12:23:01
